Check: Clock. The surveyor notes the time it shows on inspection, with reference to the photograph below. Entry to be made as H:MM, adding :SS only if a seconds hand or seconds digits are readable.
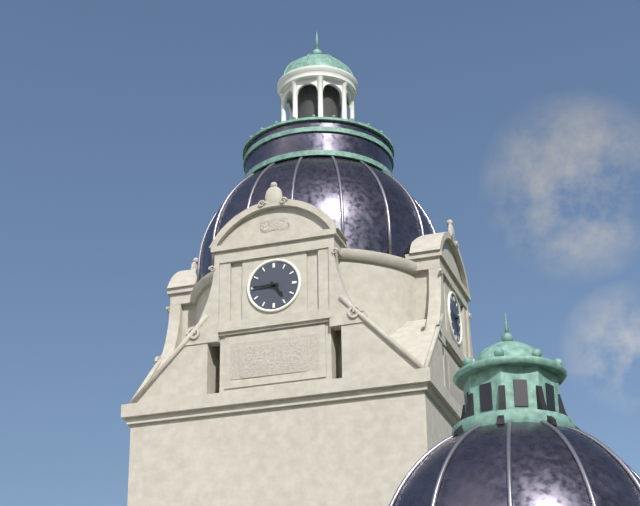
4:45
